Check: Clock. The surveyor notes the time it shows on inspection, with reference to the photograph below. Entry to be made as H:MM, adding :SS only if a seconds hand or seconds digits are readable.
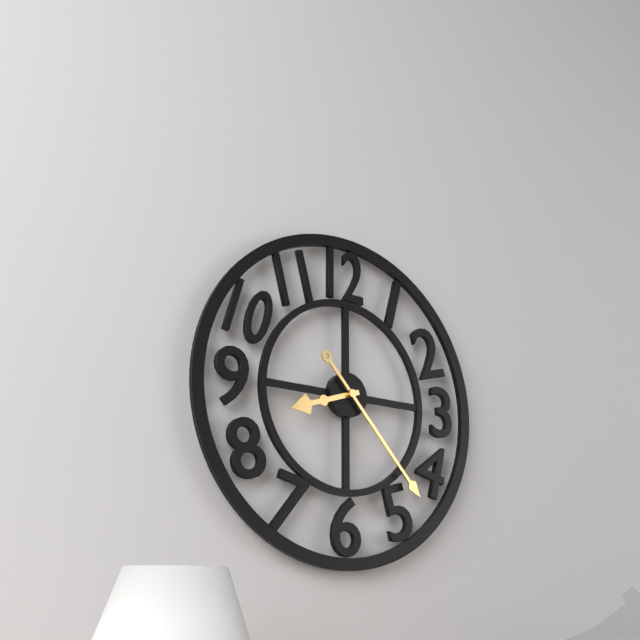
8:23
